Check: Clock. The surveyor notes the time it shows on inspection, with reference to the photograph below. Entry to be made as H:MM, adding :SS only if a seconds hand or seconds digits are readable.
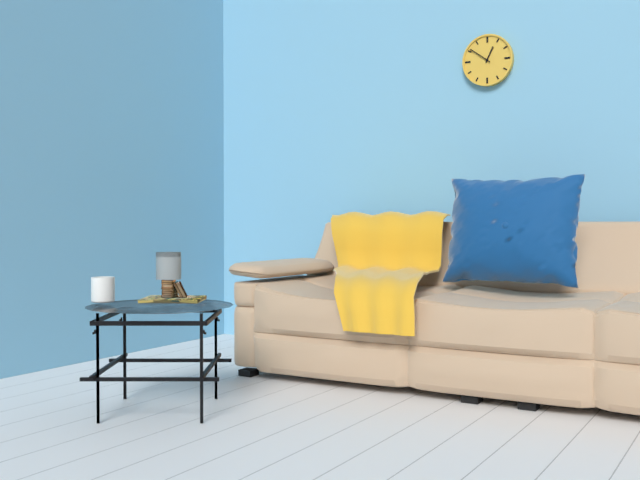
12:51
